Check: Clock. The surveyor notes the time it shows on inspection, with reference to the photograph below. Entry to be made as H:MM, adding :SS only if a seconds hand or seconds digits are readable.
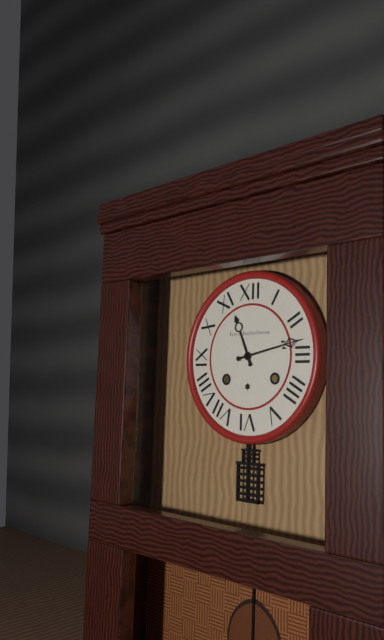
11:13
